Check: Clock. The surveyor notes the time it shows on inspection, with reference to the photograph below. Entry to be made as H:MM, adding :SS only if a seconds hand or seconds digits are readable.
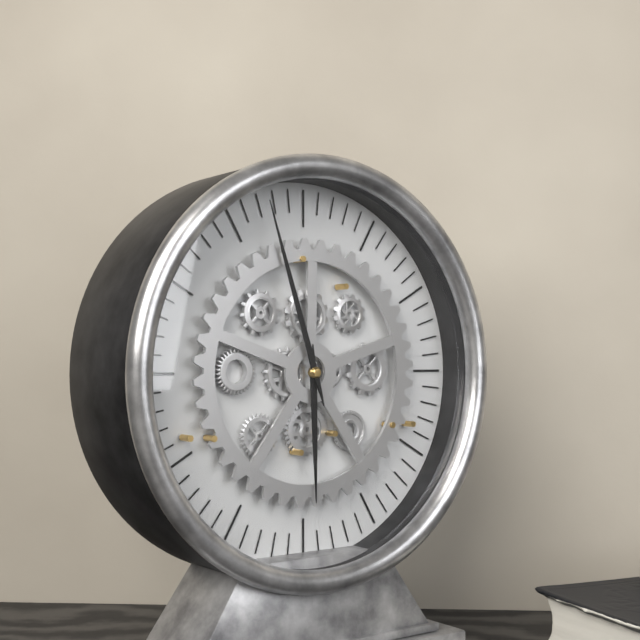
5:57
